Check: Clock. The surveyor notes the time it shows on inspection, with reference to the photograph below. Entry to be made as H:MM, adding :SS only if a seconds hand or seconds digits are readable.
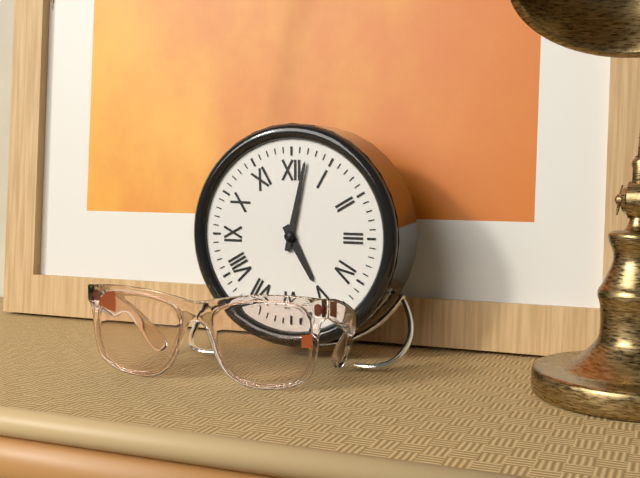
5:02
